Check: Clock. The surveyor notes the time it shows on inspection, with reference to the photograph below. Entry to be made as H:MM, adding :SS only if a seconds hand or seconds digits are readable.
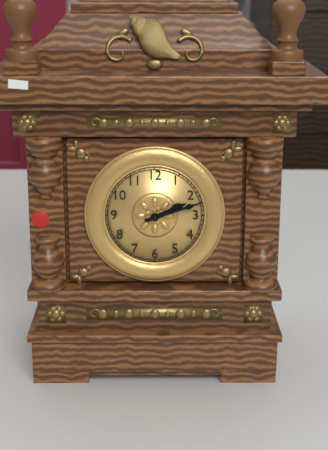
2:12
